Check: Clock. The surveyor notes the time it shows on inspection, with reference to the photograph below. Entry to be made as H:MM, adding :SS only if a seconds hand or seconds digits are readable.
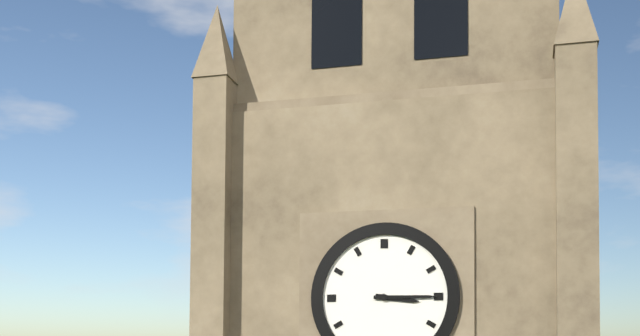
3:15
